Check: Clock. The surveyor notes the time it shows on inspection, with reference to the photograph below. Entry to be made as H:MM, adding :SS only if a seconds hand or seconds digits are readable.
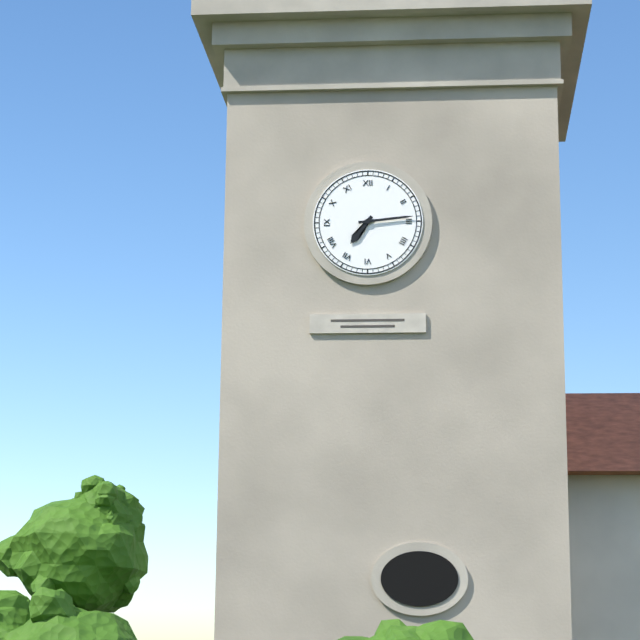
7:14
